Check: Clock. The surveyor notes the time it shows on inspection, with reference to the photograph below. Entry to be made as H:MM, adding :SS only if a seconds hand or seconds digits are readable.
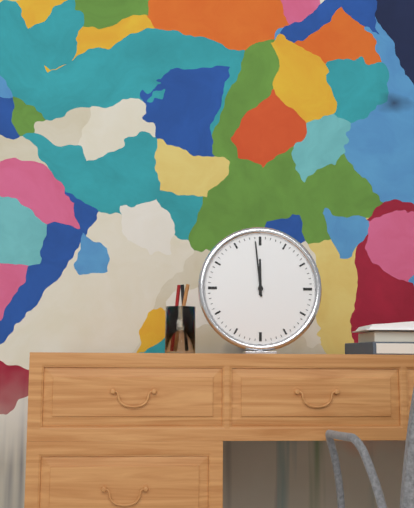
11:59
